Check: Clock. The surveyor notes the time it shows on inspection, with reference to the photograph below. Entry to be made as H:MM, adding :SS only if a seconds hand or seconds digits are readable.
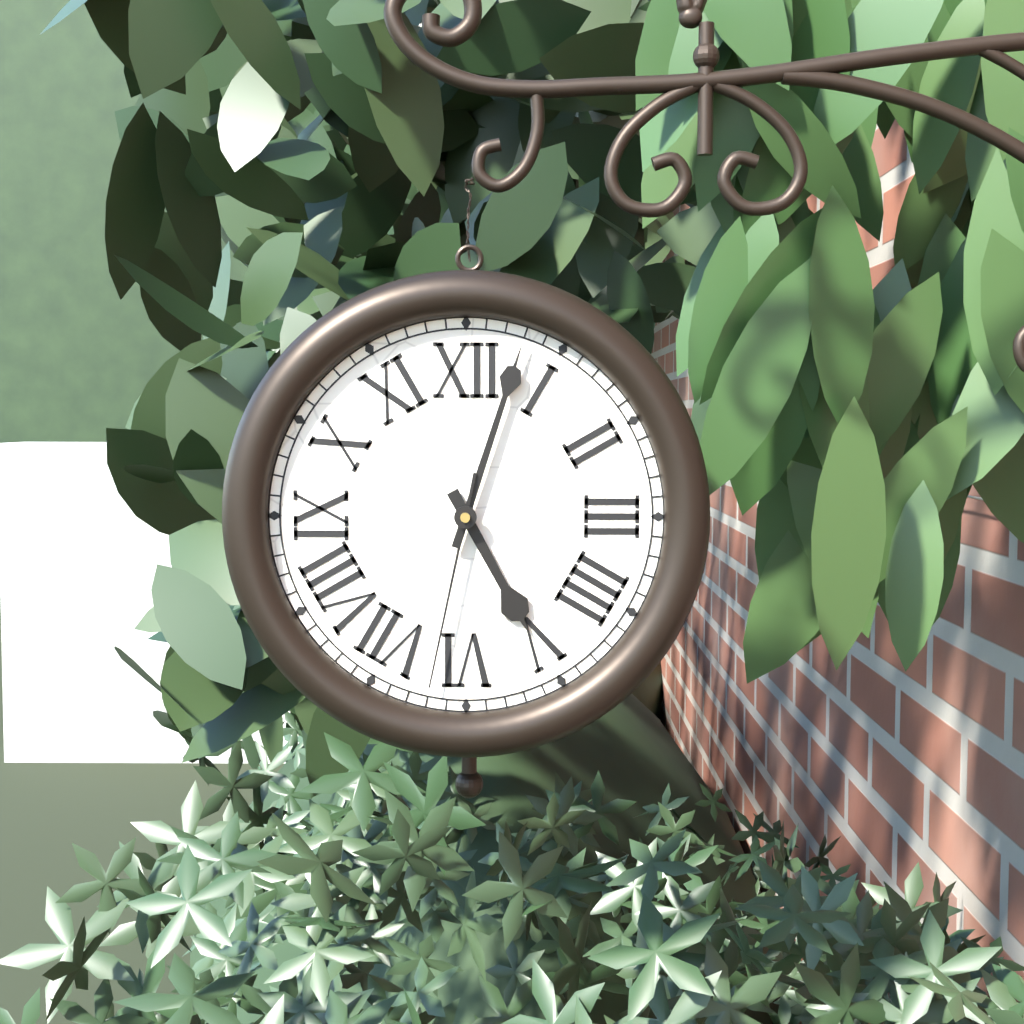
5:03:32
